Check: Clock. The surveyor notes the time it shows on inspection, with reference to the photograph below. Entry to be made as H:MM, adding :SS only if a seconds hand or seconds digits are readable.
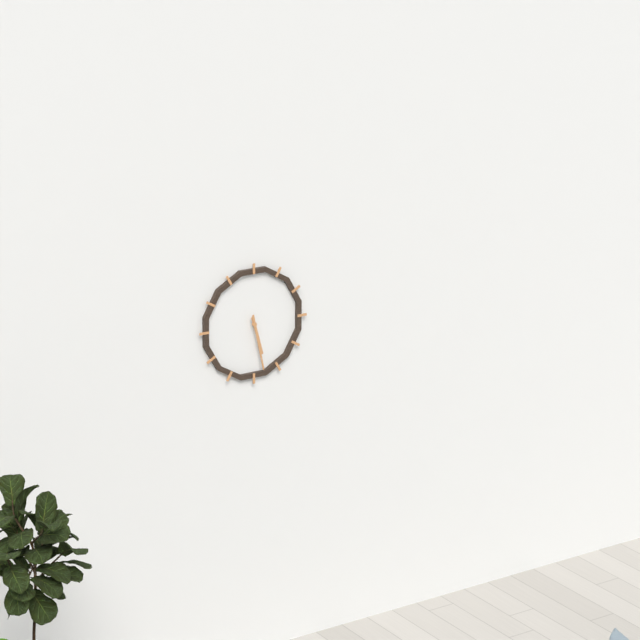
5:28
